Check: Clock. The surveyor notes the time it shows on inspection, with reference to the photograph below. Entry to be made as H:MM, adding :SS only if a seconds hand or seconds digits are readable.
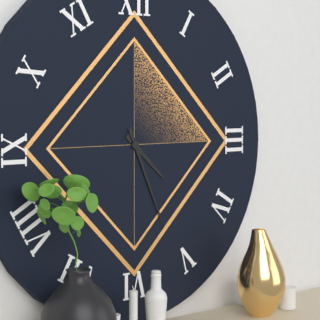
4:26
